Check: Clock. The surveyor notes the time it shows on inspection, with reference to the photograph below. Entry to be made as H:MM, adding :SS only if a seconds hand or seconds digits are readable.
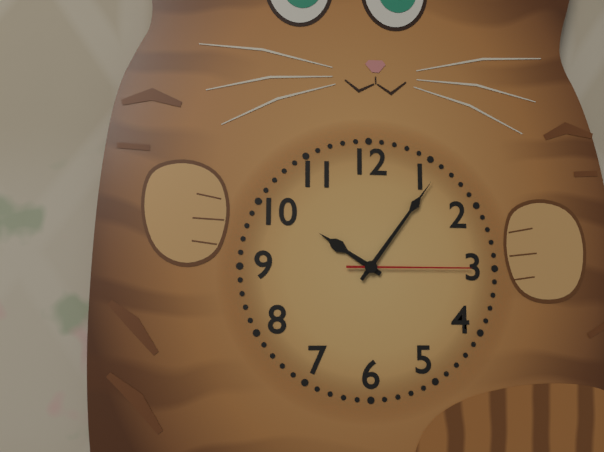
10:06:15
